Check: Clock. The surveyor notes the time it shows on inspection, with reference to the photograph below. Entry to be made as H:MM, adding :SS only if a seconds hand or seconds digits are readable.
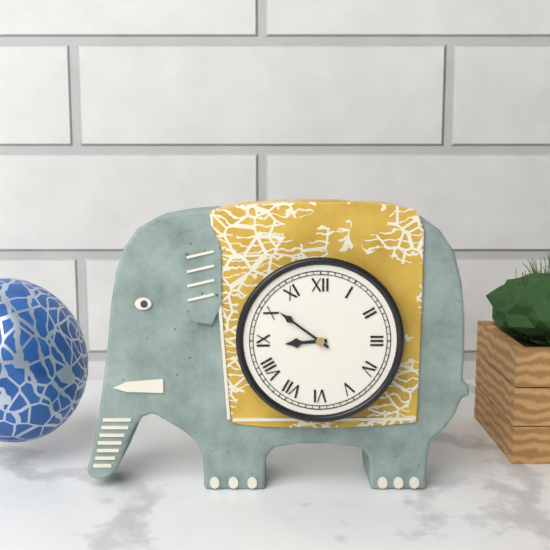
8:51
